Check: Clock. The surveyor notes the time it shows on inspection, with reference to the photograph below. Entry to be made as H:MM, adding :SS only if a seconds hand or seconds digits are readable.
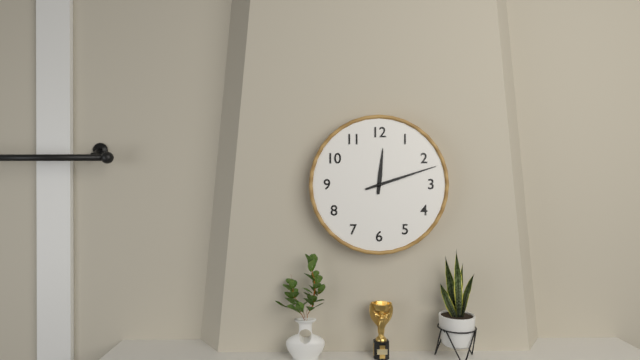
12:12
